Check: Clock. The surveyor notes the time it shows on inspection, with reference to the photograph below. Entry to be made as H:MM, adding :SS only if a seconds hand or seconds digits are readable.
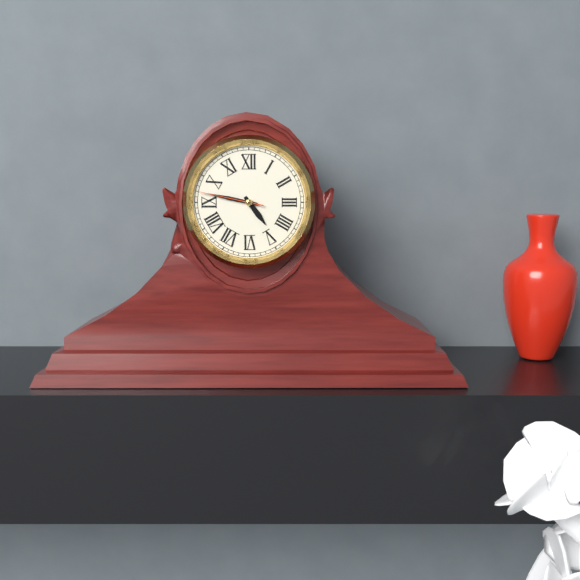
4:47:47
